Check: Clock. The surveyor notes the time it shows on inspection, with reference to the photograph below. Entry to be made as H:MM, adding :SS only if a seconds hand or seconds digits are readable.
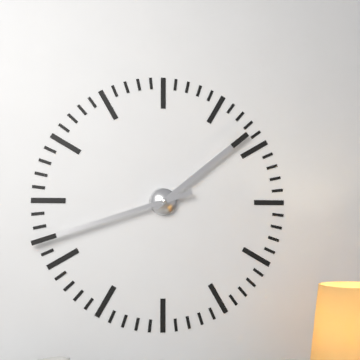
1:42
